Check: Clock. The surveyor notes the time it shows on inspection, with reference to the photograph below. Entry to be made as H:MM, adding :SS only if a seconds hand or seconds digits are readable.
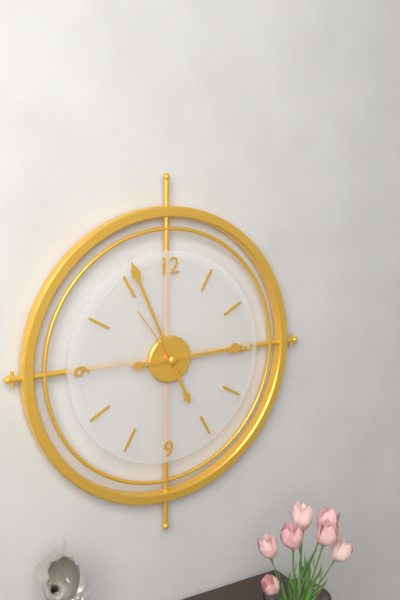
2:56:54
